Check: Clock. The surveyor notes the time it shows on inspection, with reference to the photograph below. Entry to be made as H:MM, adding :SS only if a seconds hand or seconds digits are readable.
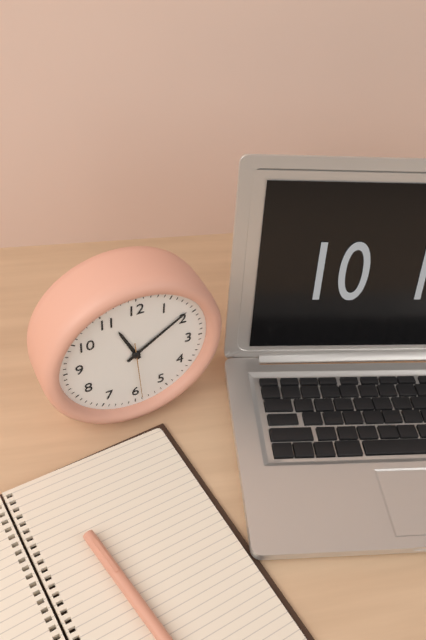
11:09:29
